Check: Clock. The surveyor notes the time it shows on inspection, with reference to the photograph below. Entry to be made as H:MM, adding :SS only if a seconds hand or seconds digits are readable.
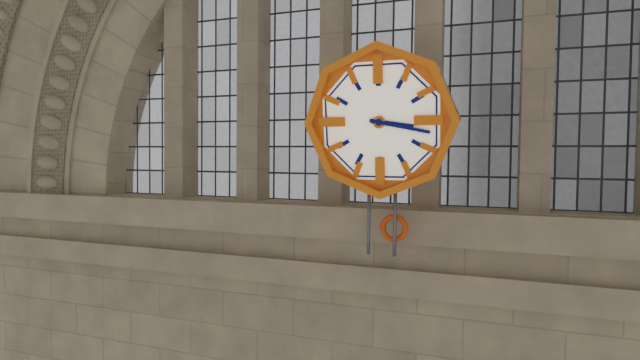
3:17
